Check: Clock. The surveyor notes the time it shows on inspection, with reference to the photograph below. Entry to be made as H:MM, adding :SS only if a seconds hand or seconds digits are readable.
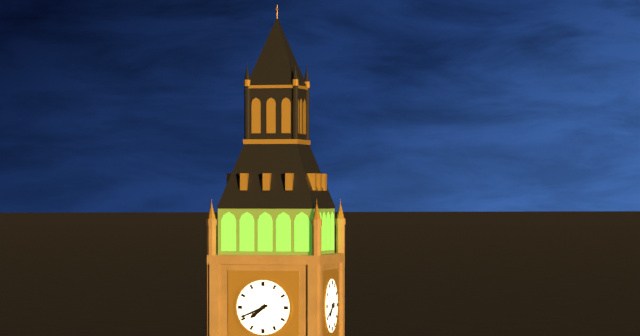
7:41
